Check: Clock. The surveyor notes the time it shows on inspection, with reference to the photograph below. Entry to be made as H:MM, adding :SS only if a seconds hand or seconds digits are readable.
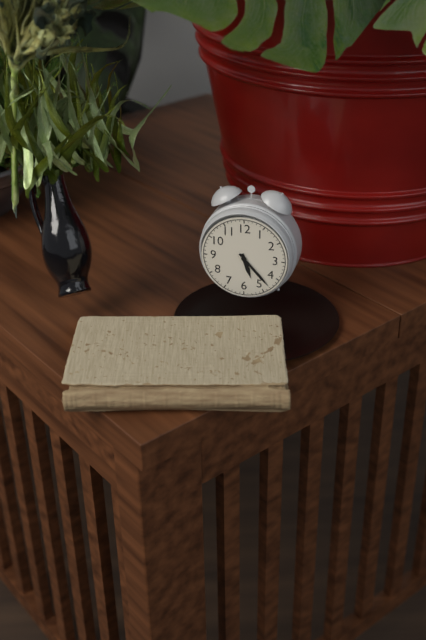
5:23
